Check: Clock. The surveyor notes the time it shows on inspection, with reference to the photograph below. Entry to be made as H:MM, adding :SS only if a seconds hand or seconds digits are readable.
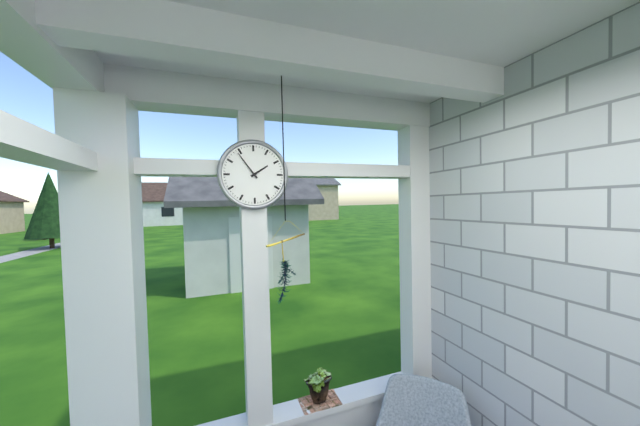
1:54
